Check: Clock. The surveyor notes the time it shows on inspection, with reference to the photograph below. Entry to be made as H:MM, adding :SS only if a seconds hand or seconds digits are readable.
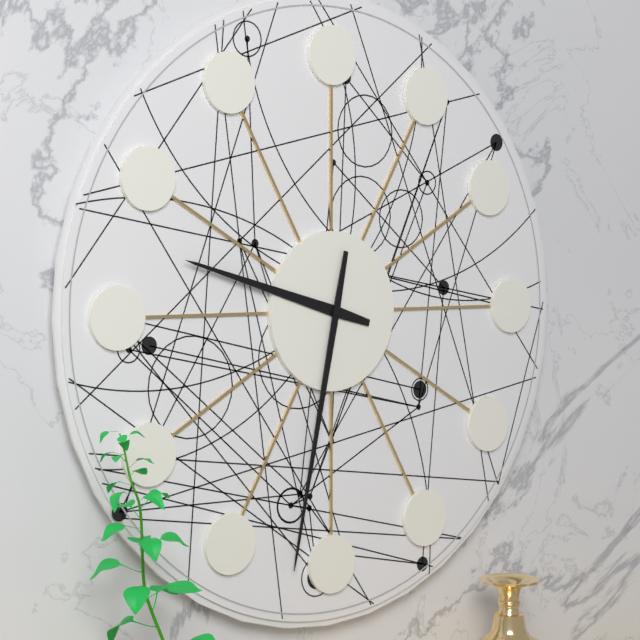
9:32
